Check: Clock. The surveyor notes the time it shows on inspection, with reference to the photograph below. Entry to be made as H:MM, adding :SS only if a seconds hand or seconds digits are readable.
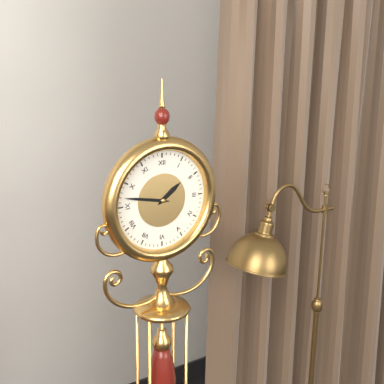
1:47
